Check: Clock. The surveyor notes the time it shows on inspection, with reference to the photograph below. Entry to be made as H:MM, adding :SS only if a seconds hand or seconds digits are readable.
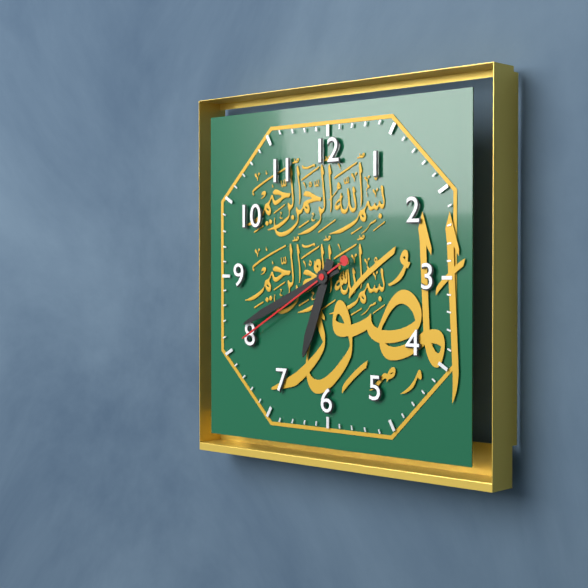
6:41:40
